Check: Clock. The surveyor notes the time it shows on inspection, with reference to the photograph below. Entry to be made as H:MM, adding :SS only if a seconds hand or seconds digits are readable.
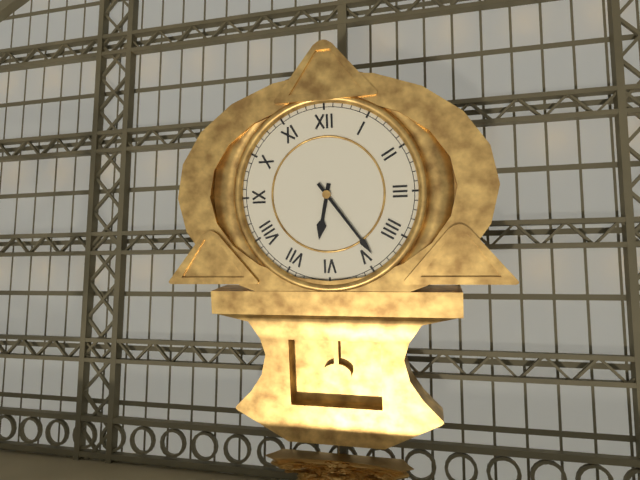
6:24
